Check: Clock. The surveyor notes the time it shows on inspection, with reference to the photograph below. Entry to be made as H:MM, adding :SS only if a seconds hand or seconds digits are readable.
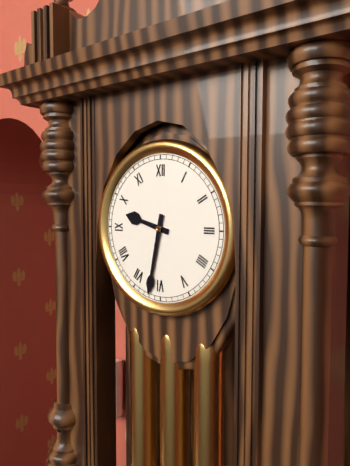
9:32
